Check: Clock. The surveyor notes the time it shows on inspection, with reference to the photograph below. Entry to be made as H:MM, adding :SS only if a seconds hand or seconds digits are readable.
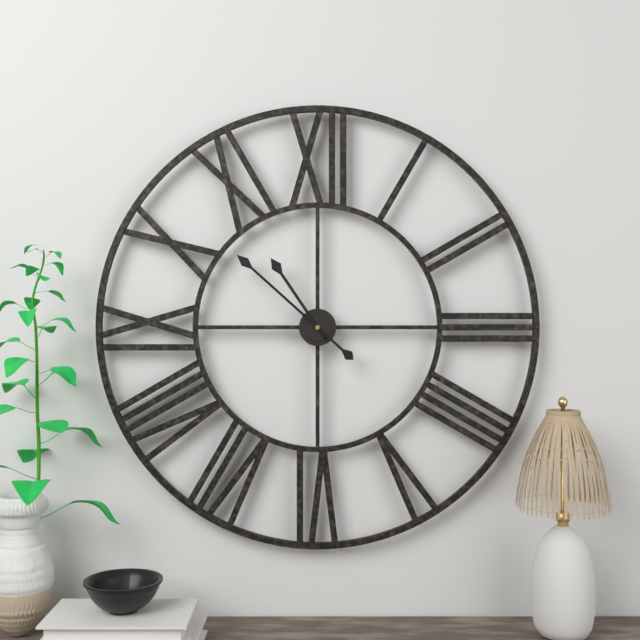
10:52
